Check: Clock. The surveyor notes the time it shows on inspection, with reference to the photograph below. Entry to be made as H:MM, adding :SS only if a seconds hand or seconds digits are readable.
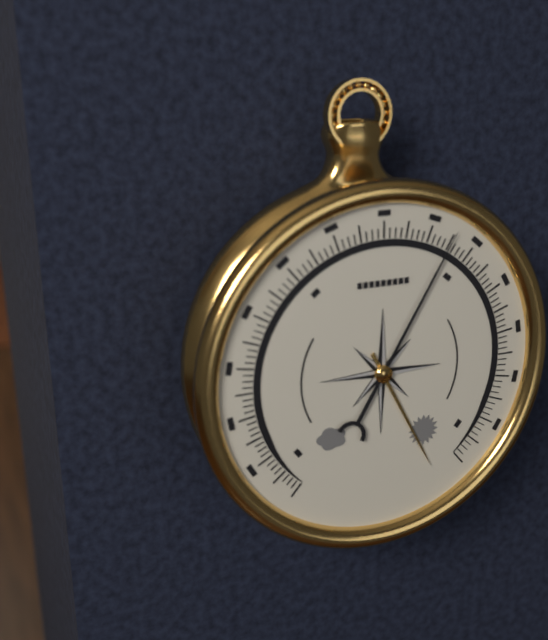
5:05
